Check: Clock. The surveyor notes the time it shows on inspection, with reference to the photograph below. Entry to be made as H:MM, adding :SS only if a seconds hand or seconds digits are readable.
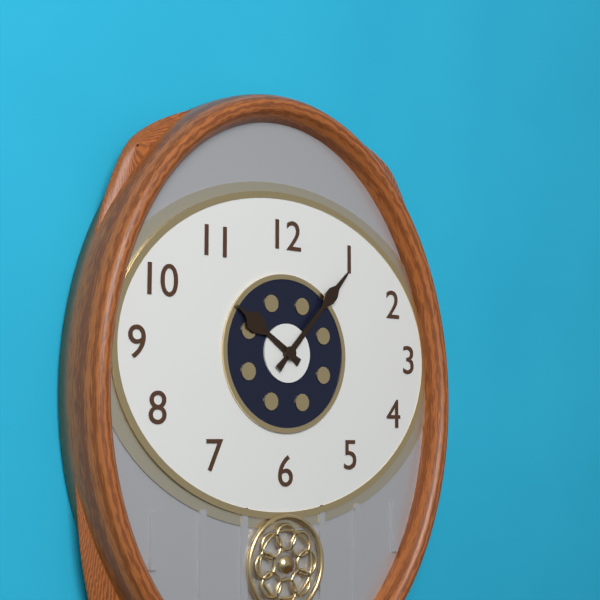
10:07
